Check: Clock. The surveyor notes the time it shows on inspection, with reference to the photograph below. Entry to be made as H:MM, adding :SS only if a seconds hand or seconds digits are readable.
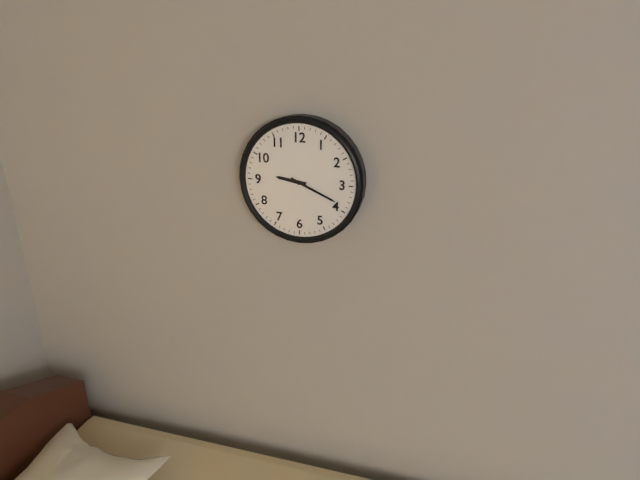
9:19
